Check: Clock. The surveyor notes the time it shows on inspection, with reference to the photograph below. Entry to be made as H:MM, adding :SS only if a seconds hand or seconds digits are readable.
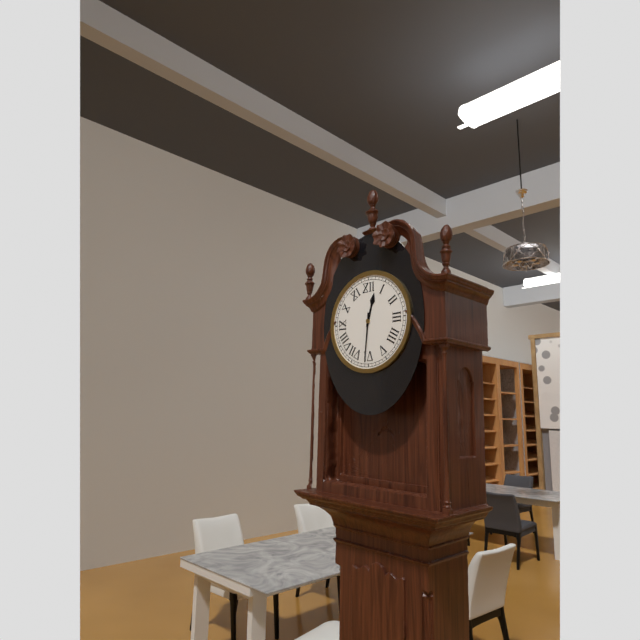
12:31
